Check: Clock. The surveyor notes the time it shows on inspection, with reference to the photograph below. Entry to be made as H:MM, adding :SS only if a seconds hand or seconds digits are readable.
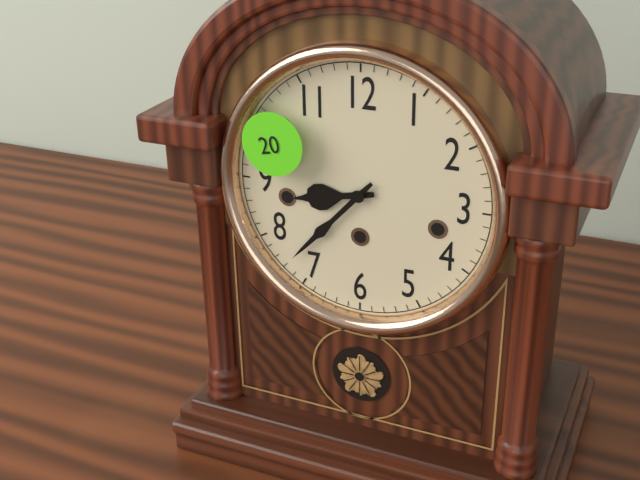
8:37
